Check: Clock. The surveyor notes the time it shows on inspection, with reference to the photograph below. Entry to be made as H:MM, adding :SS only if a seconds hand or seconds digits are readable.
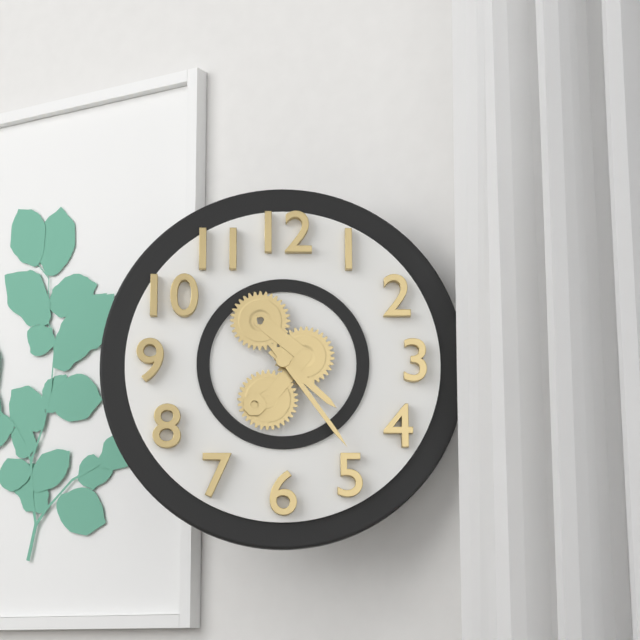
4:24
